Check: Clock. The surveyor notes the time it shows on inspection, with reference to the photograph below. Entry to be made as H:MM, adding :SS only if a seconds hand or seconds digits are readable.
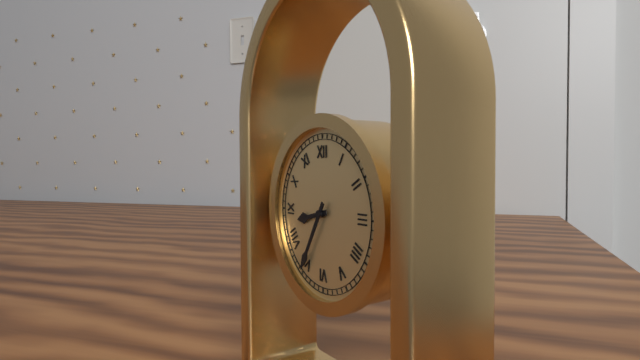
8:35
